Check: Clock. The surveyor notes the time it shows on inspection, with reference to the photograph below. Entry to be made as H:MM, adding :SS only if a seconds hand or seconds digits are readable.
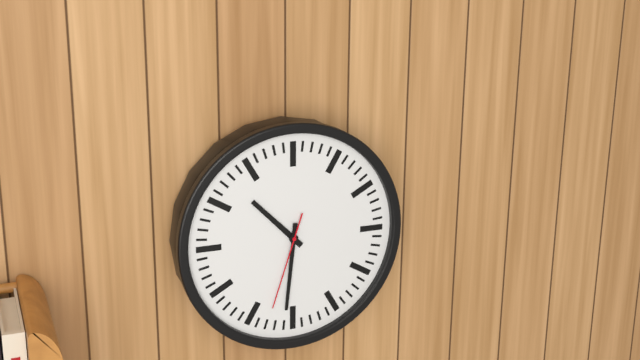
10:31:33
